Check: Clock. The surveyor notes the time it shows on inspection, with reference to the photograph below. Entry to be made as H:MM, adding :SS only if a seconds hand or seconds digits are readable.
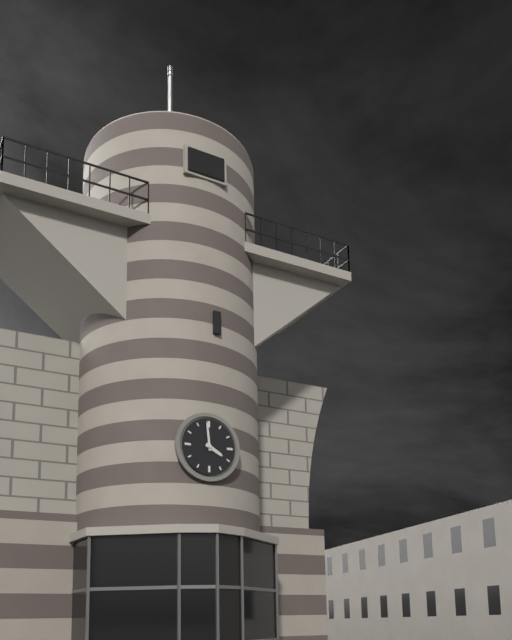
3:59
